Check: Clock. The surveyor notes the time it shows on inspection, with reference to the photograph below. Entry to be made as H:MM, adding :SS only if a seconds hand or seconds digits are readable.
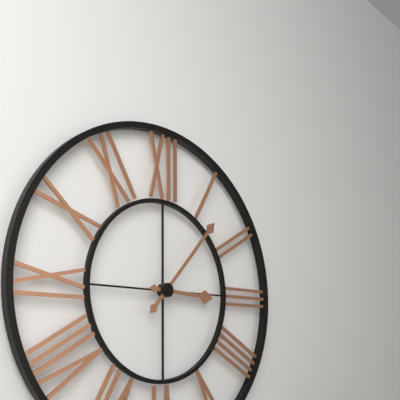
3:07
